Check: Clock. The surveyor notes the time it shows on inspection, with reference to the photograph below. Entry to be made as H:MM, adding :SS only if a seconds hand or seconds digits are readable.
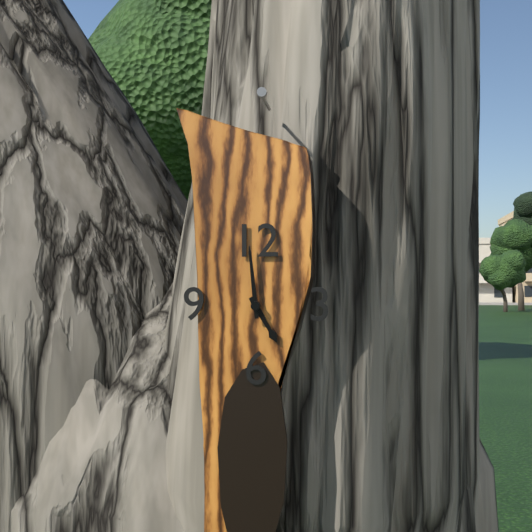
4:59
